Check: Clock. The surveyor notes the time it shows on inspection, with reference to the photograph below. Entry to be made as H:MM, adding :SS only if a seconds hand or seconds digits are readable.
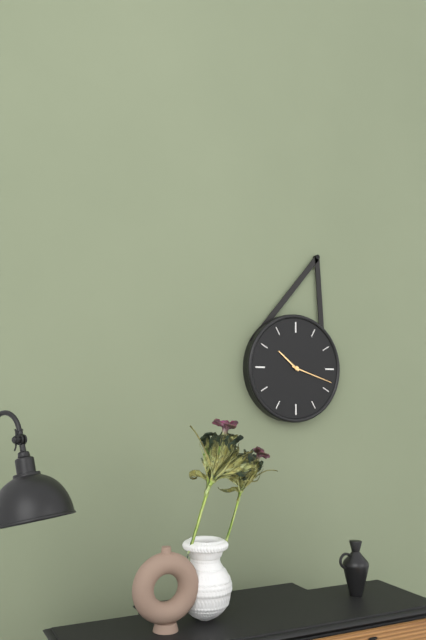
10:18
